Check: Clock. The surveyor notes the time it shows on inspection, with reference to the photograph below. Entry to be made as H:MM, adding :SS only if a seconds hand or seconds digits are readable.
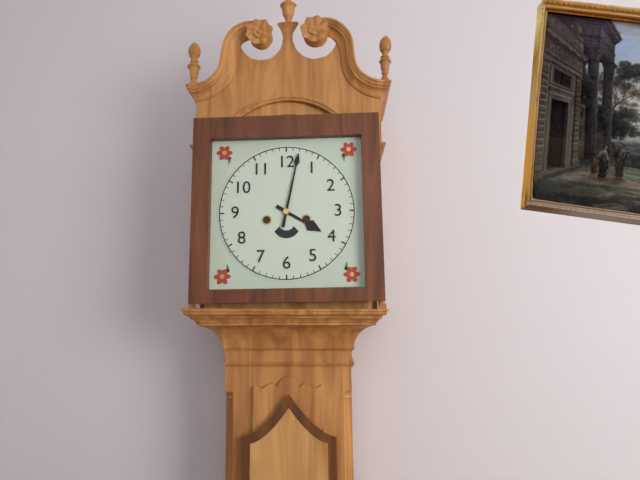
4:02
